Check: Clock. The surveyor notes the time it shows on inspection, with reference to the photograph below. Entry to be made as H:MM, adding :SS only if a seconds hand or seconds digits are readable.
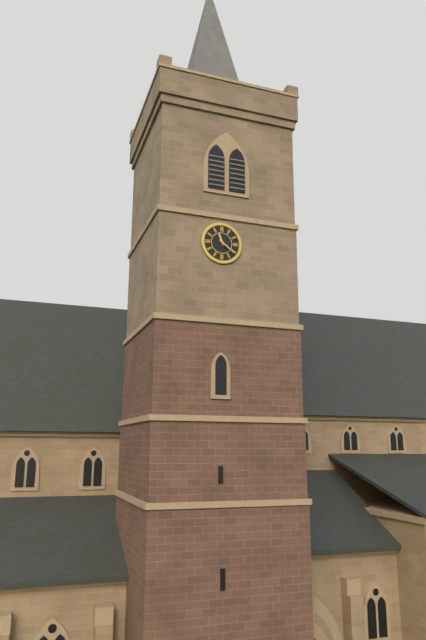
11:21
